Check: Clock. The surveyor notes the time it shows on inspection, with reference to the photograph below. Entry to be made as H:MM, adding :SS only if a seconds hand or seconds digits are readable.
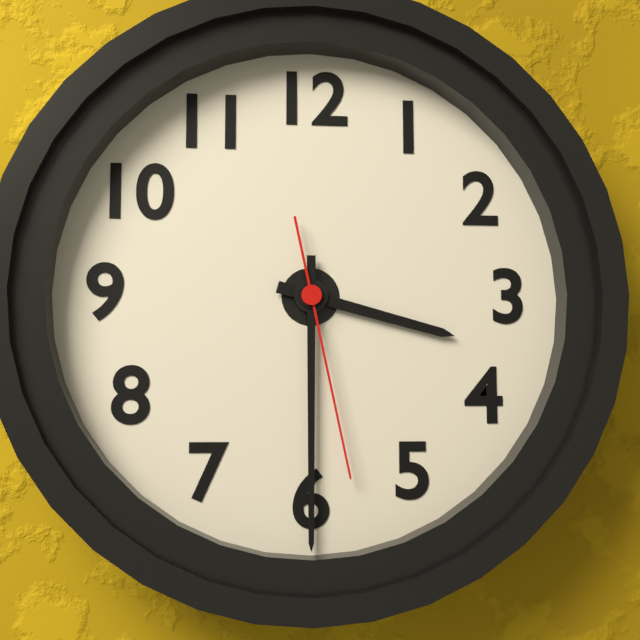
3:30:28
